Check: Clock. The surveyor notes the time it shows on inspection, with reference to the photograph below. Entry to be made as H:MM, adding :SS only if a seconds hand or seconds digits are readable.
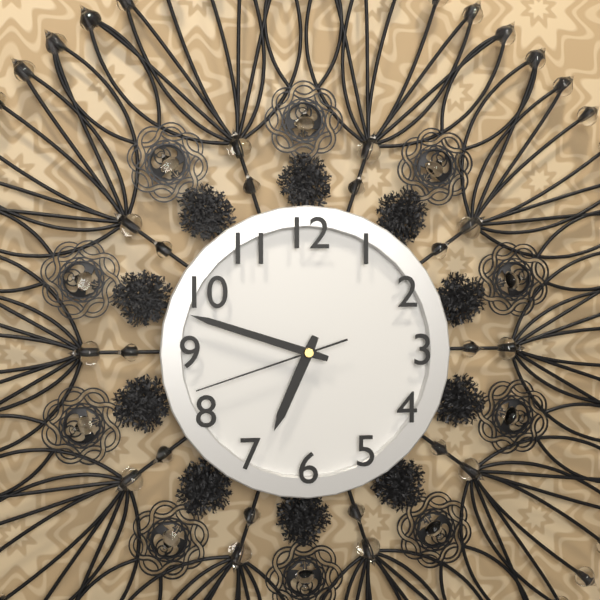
6:48:42
